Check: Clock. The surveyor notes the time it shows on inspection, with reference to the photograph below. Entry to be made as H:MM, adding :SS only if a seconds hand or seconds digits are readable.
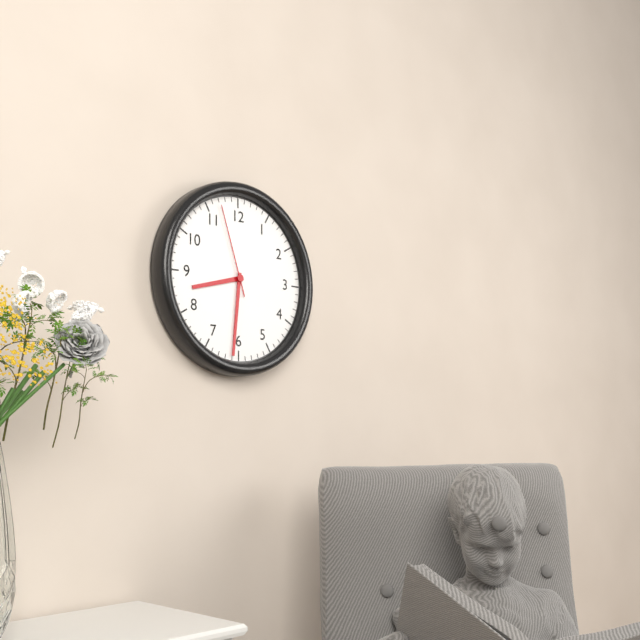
8:31:57
